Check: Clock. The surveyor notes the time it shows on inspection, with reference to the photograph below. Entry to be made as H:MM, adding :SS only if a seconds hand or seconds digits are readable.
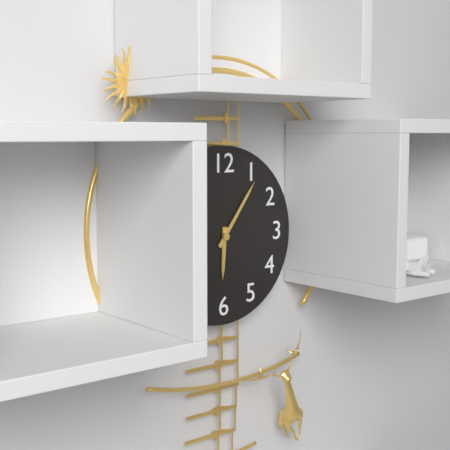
6:06
